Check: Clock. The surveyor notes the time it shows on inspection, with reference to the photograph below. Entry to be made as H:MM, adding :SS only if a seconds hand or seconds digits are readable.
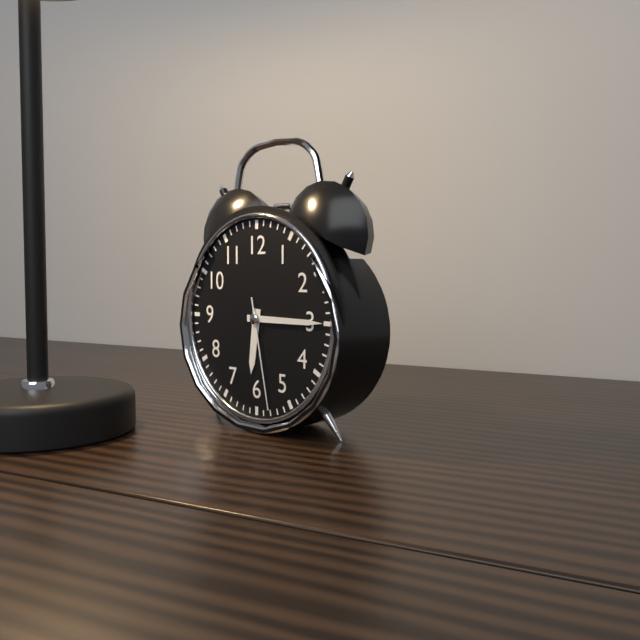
6:15:28
